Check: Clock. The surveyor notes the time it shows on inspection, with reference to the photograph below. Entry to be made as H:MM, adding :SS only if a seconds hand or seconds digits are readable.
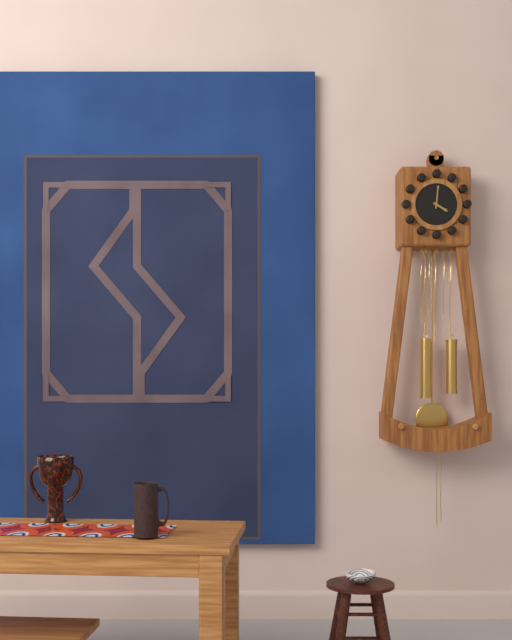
4:01
